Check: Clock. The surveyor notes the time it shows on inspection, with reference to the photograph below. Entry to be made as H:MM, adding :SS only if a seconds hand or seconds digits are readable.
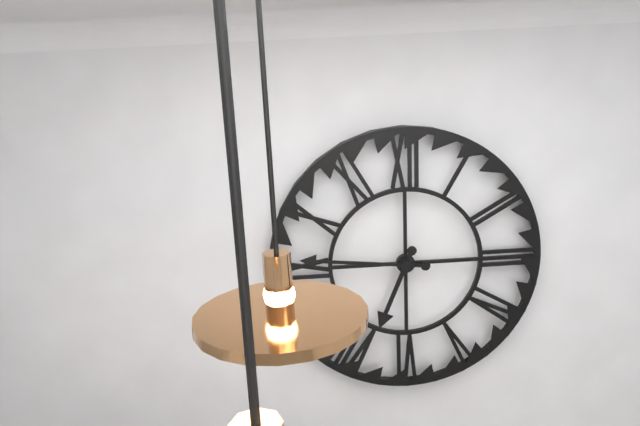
6:46
